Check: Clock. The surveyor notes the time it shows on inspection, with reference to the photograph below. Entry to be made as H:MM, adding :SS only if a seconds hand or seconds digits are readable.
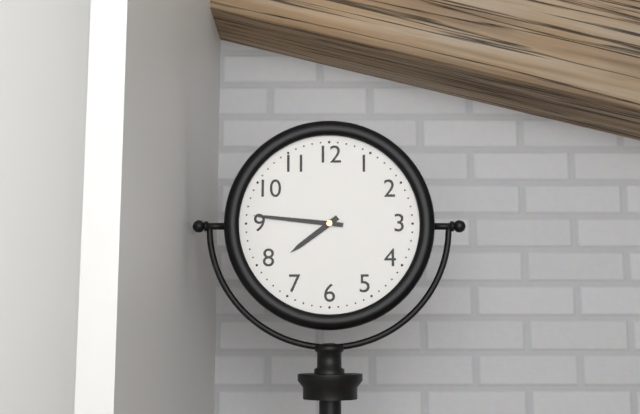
7:46
